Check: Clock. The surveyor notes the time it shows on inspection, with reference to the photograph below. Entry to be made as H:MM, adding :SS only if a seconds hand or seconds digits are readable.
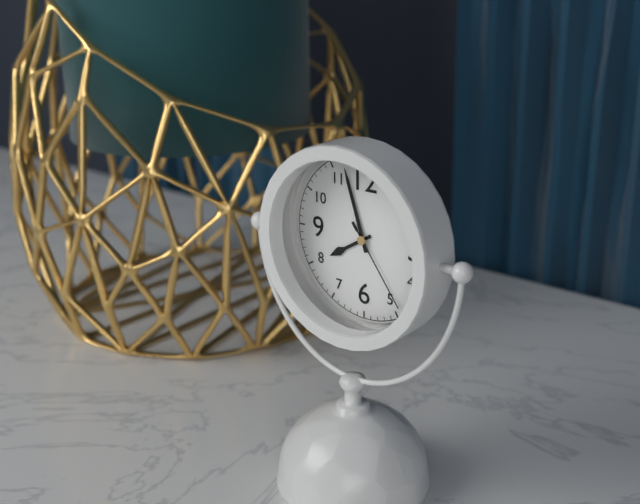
7:57:24
